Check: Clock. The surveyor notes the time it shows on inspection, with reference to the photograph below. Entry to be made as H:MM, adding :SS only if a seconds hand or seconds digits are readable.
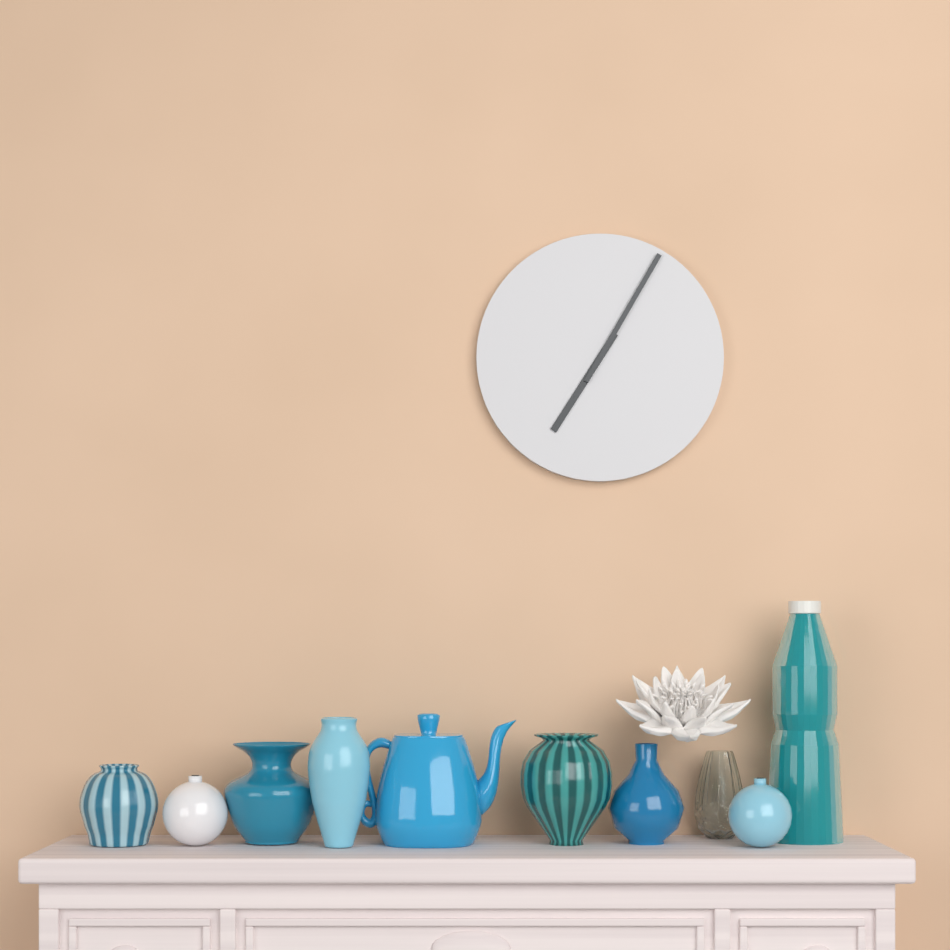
7:05
